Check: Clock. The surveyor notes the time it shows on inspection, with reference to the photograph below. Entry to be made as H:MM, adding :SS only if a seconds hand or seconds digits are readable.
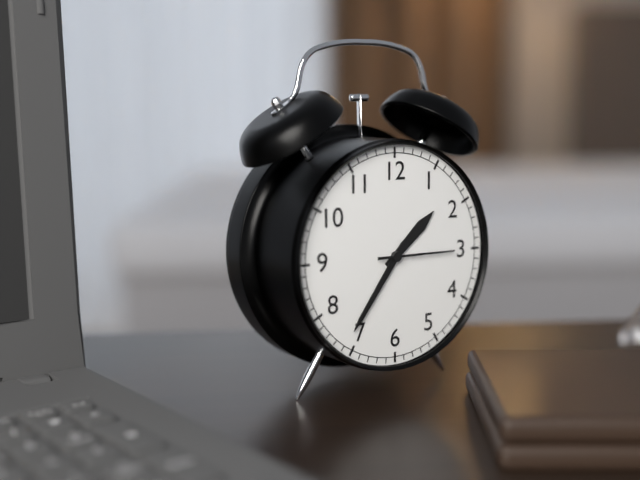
1:36:15
